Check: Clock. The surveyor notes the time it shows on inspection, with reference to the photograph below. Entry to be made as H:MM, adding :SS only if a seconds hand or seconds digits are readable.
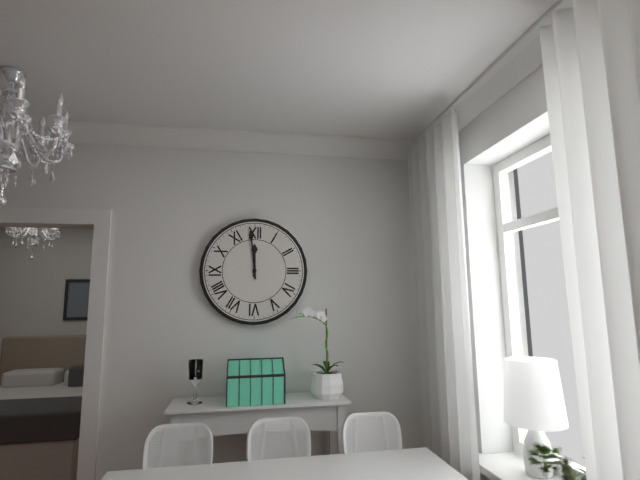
11:59
